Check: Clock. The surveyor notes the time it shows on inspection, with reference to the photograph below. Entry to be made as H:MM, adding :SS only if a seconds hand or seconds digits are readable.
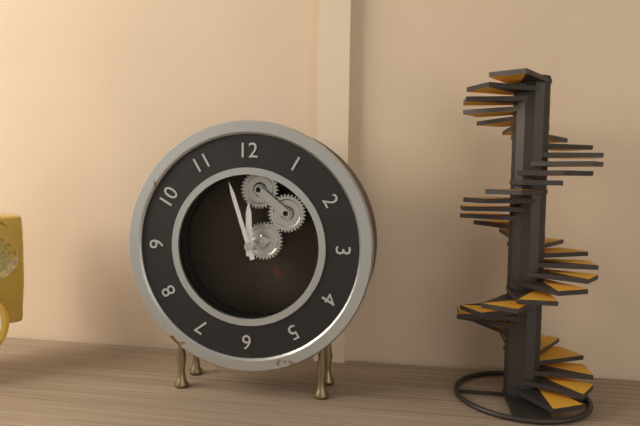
11:57
